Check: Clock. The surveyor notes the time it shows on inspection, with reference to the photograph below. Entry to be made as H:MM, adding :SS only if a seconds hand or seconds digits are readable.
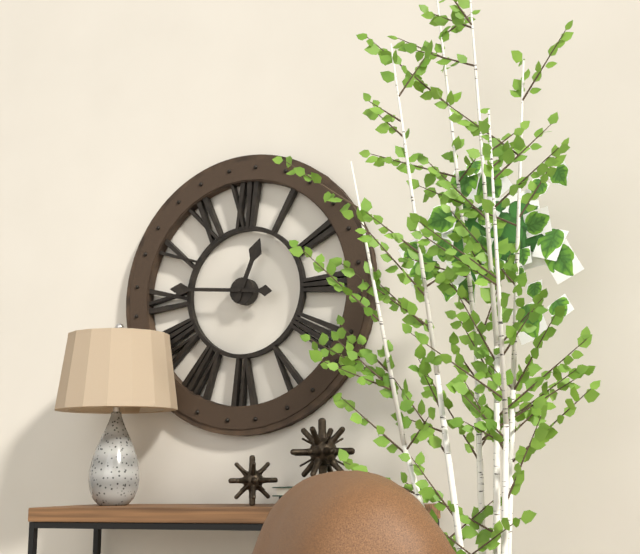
12:46
